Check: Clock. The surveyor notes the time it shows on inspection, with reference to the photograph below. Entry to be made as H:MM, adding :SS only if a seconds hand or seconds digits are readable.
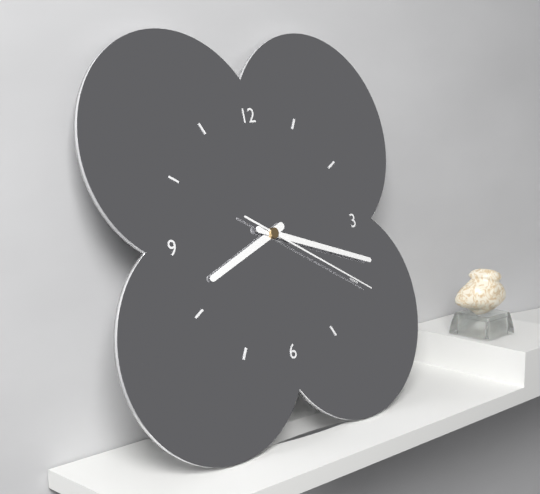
8:18:20
